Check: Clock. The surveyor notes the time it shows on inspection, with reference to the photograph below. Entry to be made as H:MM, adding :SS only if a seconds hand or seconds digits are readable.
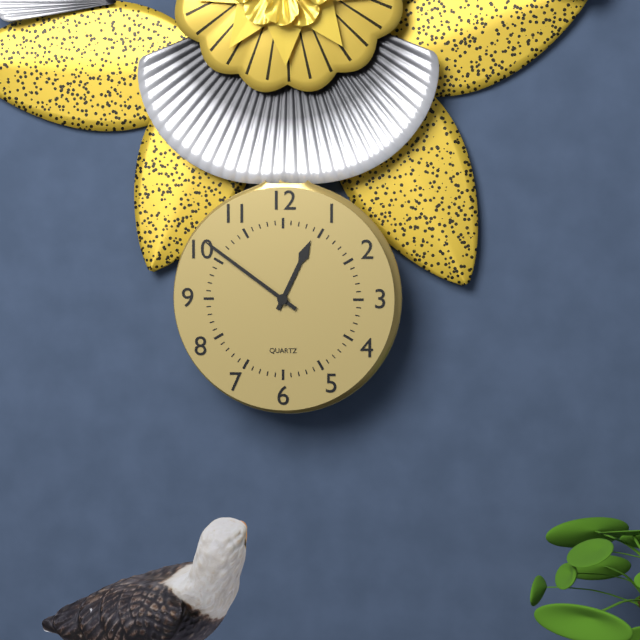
12:51
